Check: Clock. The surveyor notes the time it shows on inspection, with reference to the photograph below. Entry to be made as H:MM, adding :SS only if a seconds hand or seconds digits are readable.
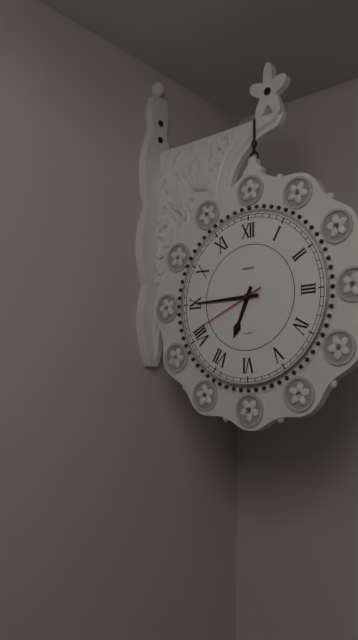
6:45:41
